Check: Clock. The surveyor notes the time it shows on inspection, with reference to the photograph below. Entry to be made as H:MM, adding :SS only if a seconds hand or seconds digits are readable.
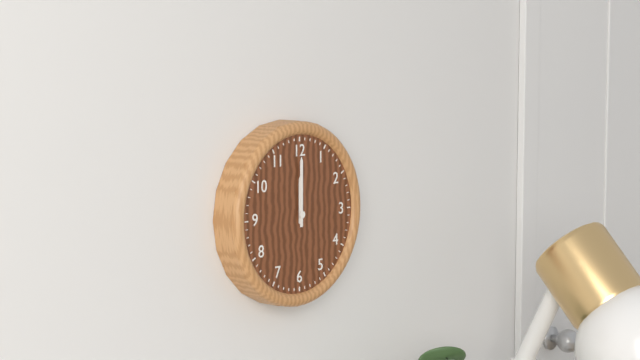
12:00
